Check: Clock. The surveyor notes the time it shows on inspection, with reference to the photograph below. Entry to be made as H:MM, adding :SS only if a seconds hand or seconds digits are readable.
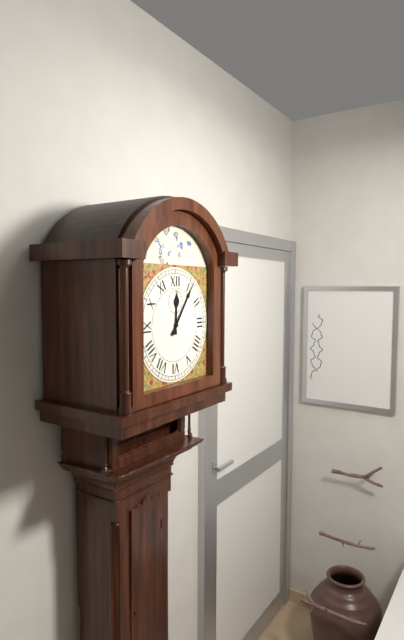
12:06
